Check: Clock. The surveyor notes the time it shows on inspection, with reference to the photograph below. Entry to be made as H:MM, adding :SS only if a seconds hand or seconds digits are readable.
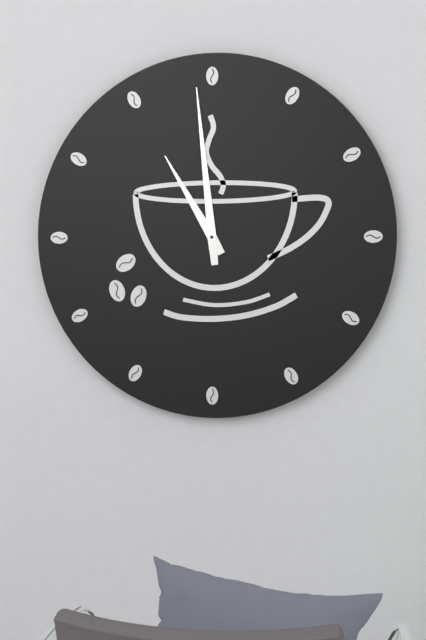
10:59
